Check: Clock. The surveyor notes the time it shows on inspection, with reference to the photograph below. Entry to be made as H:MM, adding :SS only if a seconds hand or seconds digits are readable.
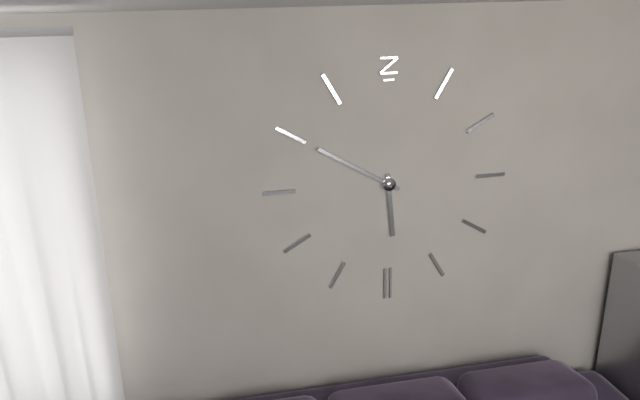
5:50
